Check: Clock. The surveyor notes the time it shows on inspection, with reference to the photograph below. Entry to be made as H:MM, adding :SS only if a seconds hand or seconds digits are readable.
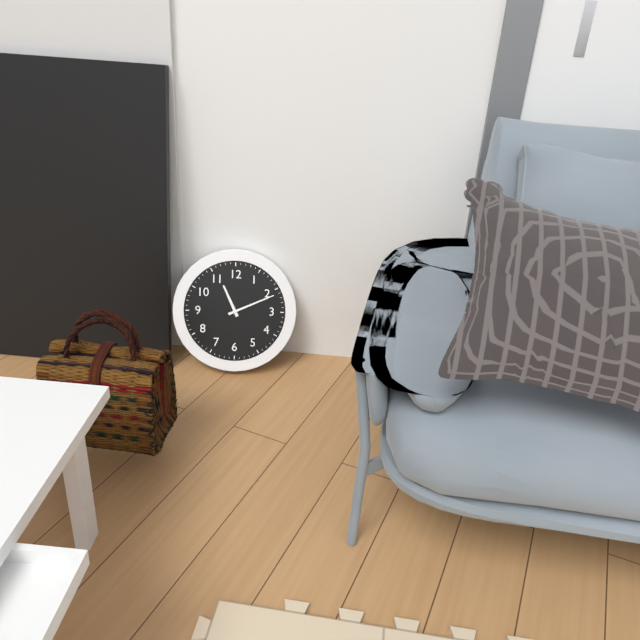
11:11
